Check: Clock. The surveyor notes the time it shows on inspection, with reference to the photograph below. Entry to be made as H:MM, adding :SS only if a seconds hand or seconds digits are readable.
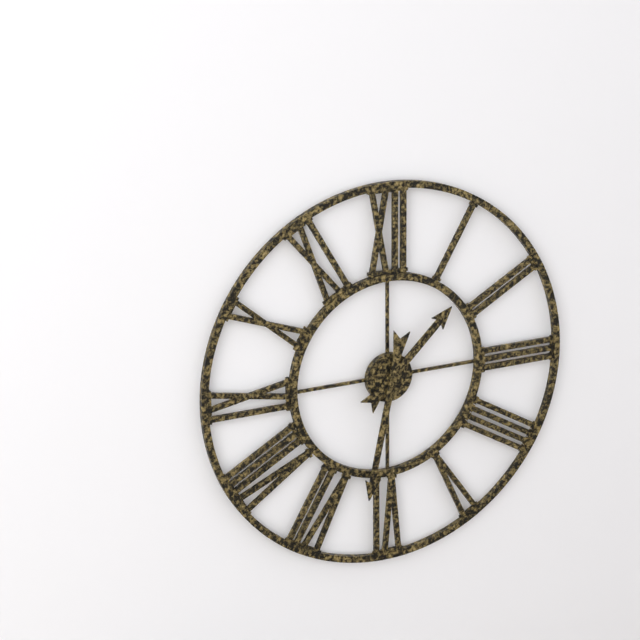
1:32
